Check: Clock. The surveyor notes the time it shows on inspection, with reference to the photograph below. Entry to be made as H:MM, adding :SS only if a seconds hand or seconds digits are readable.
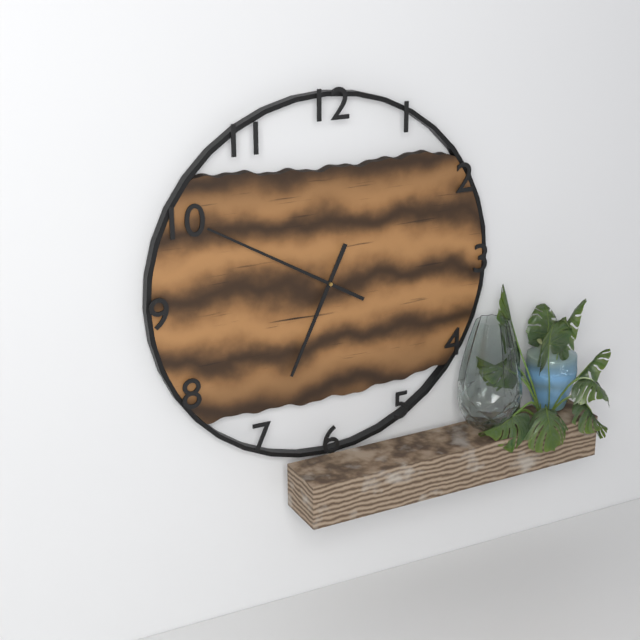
6:50
